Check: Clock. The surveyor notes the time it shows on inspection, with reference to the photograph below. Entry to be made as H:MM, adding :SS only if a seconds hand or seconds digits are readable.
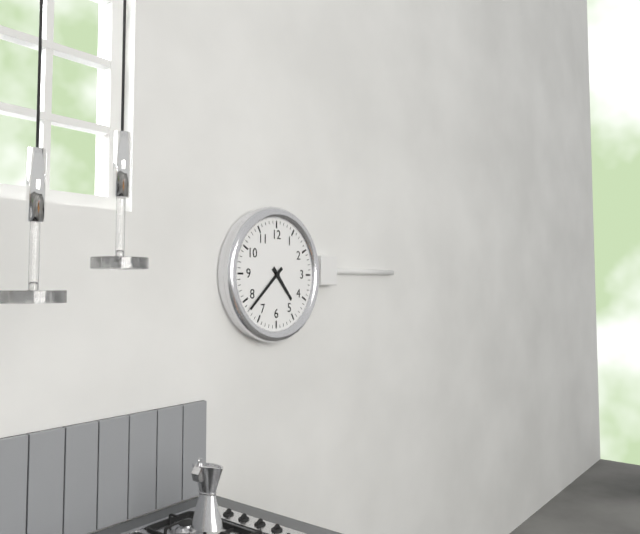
4:38
